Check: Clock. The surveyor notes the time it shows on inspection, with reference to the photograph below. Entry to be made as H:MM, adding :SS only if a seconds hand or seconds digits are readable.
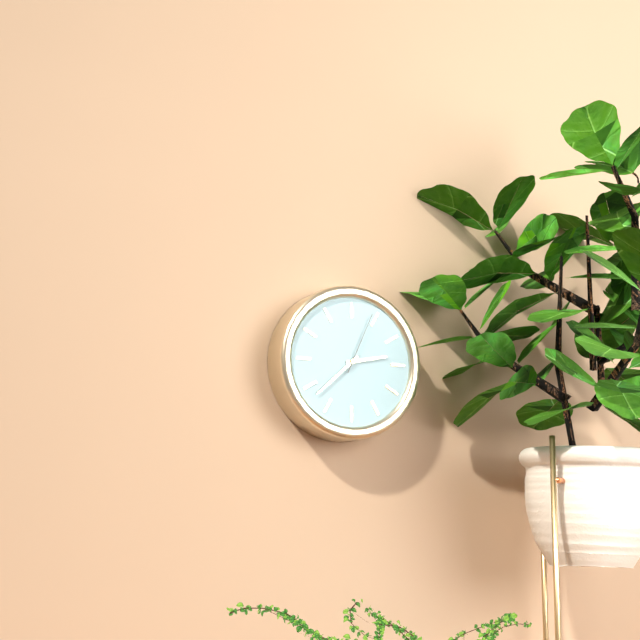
2:38:04
